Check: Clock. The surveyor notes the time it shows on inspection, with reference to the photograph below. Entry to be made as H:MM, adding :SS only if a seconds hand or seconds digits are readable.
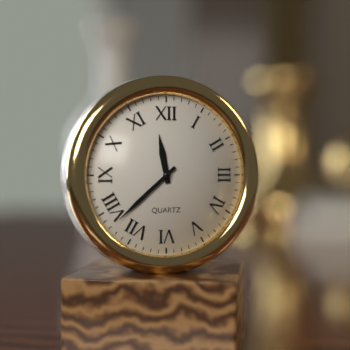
11:38
